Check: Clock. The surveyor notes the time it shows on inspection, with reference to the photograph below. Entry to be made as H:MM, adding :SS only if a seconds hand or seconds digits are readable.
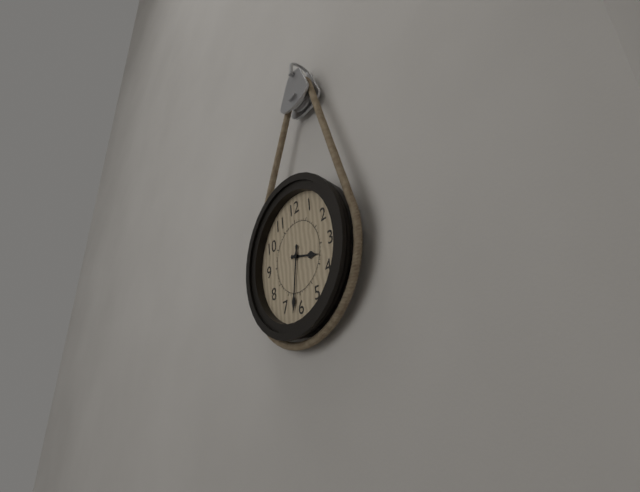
3:32
